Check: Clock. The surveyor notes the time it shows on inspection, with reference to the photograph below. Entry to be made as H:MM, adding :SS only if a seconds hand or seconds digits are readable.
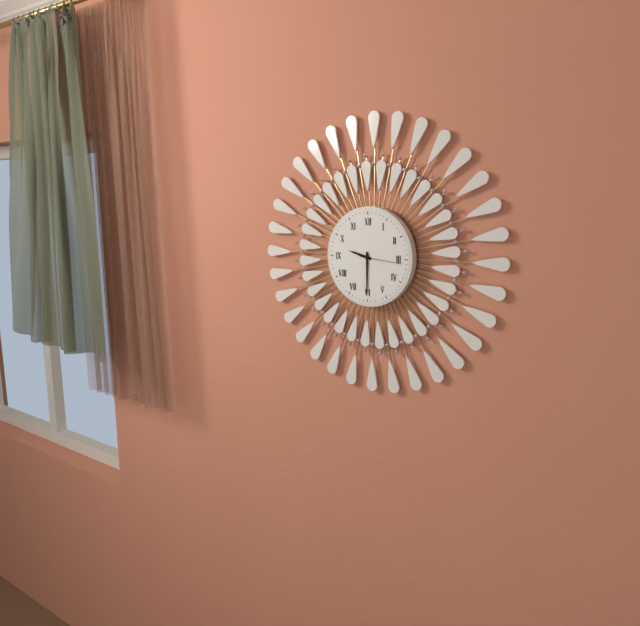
9:30
